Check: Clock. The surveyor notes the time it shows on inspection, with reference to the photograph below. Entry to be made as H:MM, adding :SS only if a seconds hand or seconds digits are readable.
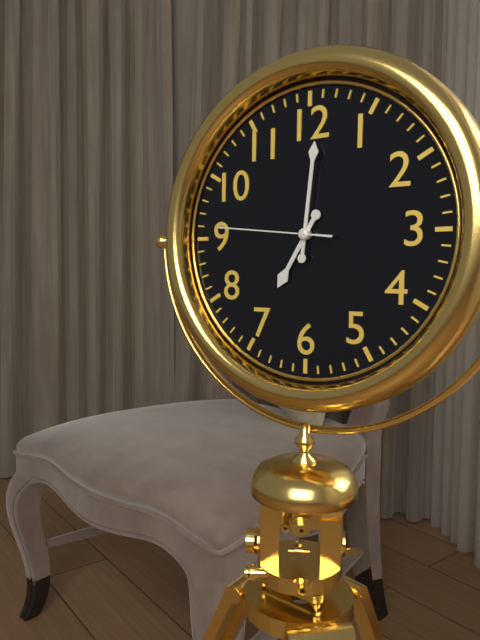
7:01:46
